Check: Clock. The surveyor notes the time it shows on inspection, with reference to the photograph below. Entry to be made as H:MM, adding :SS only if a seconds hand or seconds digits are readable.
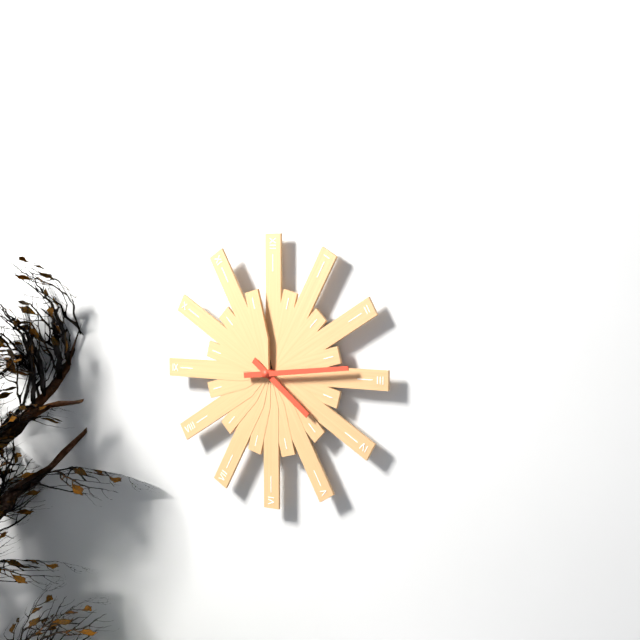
4:14
